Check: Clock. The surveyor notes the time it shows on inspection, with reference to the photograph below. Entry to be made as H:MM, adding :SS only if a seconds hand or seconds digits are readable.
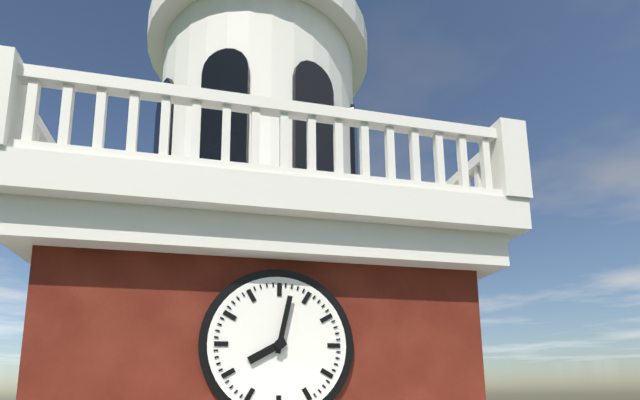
8:02
